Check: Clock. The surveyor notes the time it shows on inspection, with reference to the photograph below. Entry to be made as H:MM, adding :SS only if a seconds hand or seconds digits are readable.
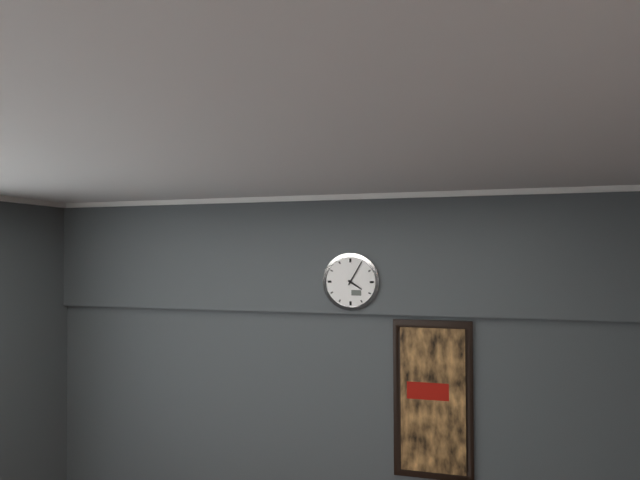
4:05
